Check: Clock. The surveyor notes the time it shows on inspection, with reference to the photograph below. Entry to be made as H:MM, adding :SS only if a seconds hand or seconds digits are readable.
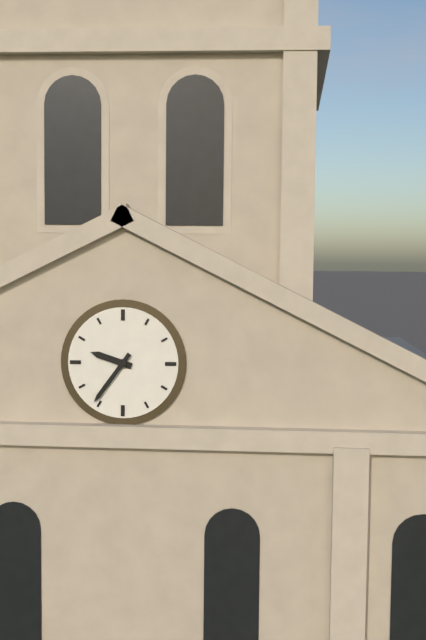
9:36
